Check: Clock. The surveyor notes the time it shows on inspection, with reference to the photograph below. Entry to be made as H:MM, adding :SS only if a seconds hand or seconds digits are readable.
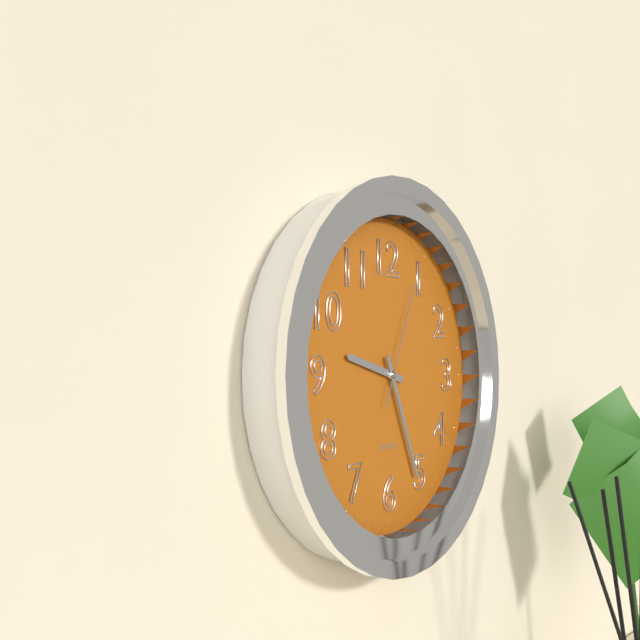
9:26:04
